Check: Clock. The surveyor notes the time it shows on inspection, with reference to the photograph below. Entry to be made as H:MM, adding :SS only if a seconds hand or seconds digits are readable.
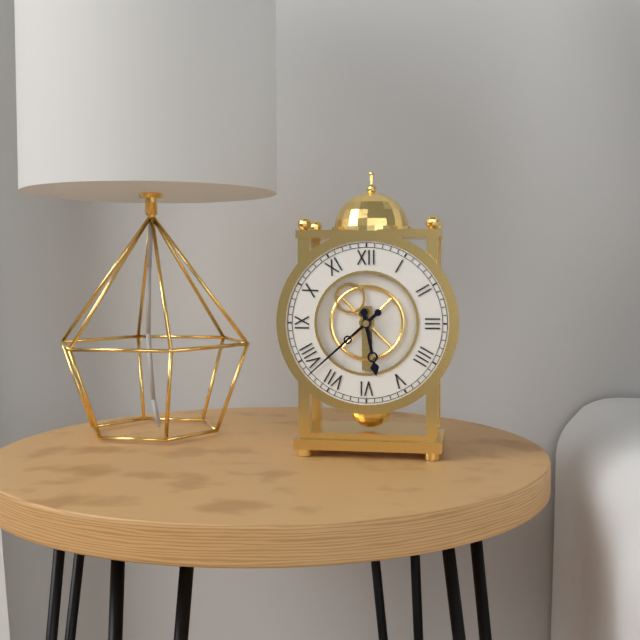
5:38
